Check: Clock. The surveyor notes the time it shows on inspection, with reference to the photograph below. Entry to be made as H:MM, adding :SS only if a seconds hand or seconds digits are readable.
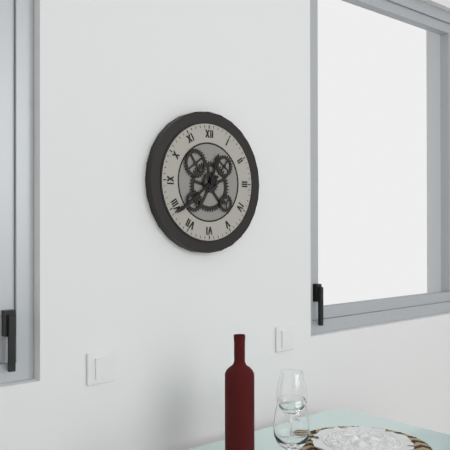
12:39
